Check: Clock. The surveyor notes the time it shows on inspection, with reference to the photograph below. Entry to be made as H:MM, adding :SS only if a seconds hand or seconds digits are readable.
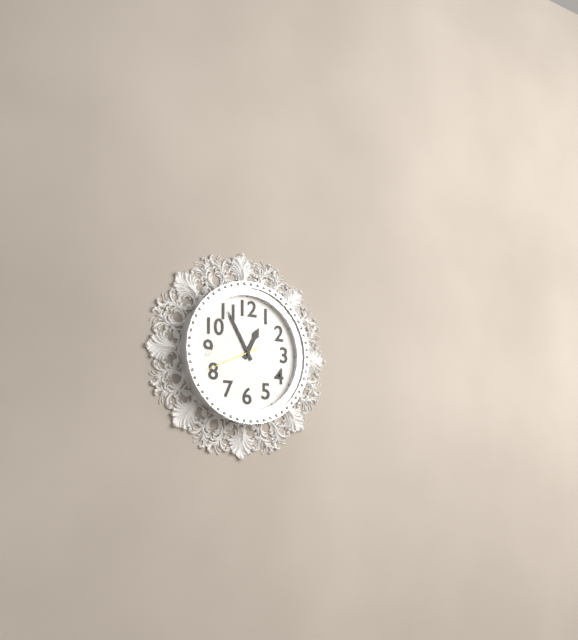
12:55:41
